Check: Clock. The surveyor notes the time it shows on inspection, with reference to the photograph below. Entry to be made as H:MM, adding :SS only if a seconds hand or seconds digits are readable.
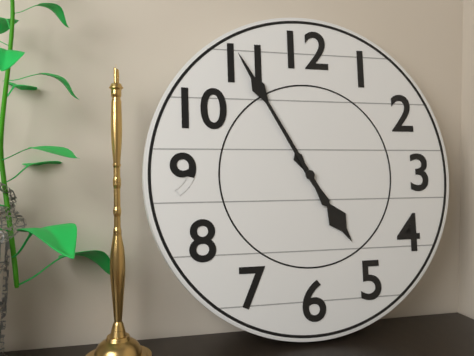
4:55
